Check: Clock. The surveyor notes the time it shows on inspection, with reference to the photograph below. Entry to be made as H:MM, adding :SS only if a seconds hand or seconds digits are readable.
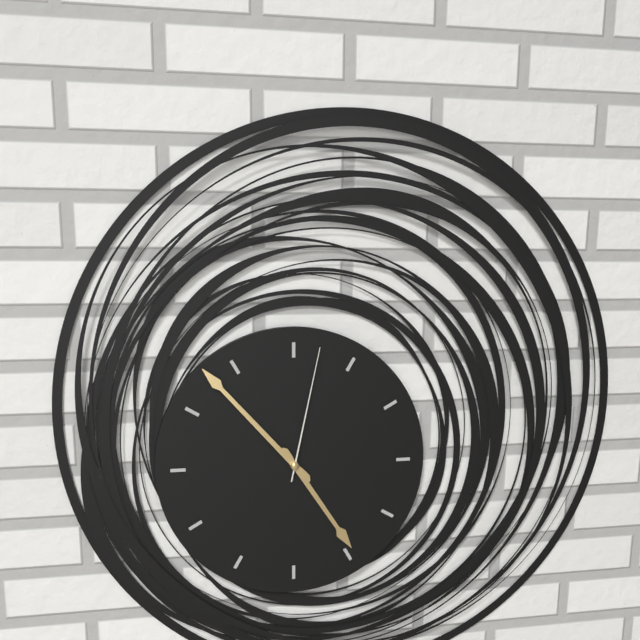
4:53:02
